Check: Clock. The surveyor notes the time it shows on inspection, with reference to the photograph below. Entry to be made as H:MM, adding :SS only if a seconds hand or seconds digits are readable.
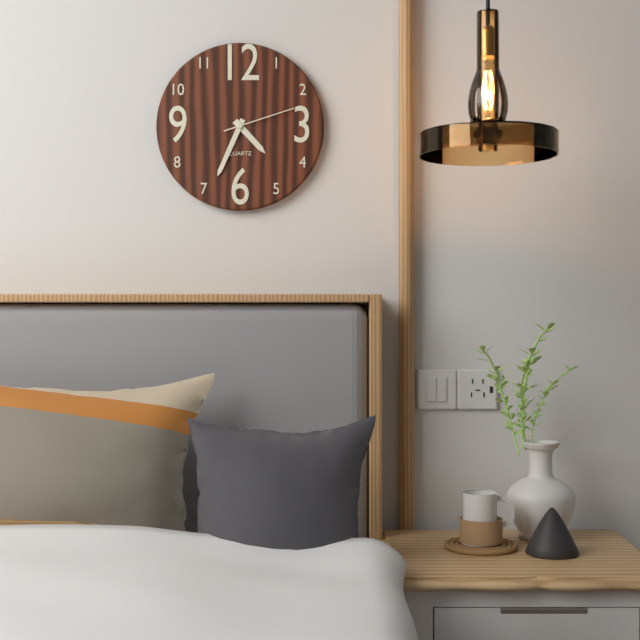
4:34:12
